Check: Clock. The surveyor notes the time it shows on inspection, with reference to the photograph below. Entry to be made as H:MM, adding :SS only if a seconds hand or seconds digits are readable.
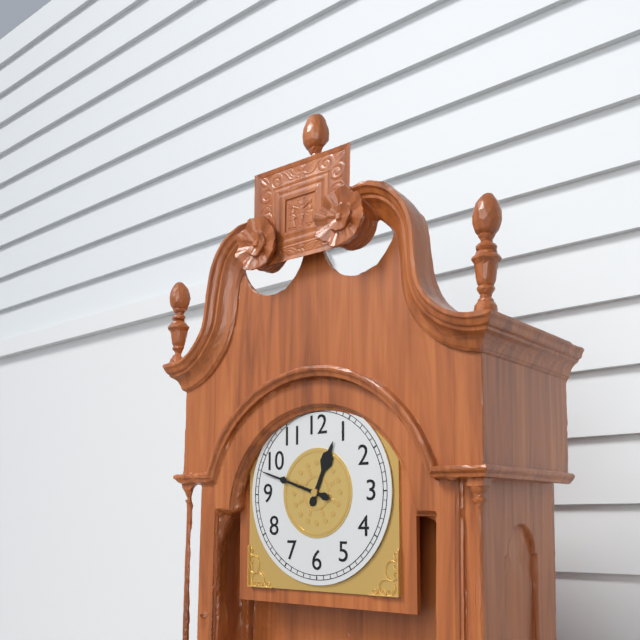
12:48
